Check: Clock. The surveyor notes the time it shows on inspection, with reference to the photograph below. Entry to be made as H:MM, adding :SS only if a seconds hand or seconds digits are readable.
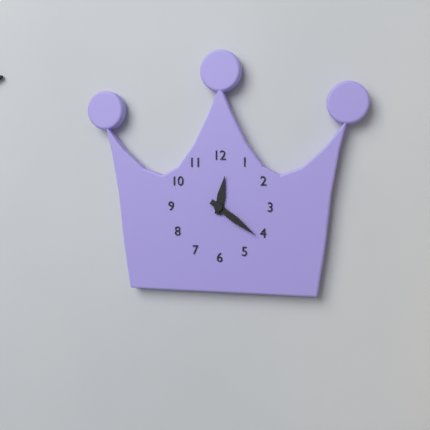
12:21
